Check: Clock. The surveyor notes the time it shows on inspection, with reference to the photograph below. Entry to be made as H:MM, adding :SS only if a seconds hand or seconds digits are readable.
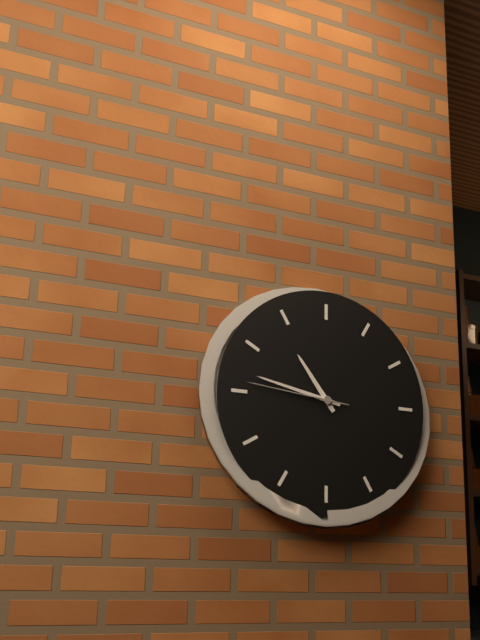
10:47:46
